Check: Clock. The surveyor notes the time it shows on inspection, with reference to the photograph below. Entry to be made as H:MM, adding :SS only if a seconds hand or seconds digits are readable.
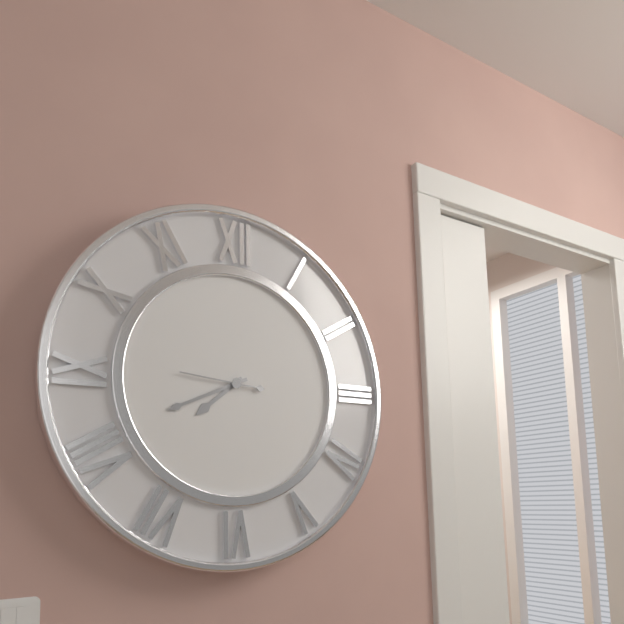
7:41:46
